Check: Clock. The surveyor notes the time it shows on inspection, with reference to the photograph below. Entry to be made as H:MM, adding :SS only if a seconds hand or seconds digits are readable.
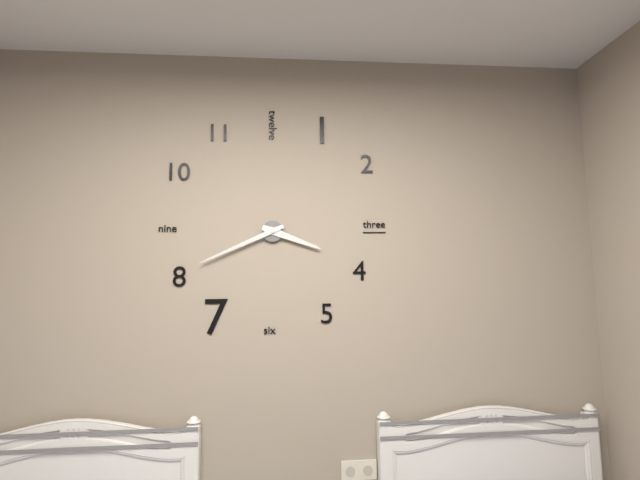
3:41
